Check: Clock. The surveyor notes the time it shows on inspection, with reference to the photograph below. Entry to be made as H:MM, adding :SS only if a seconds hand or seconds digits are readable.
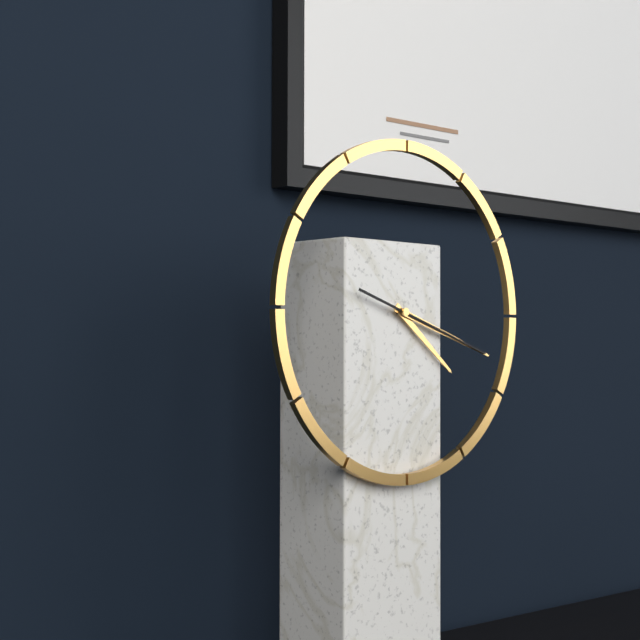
4:18:18
